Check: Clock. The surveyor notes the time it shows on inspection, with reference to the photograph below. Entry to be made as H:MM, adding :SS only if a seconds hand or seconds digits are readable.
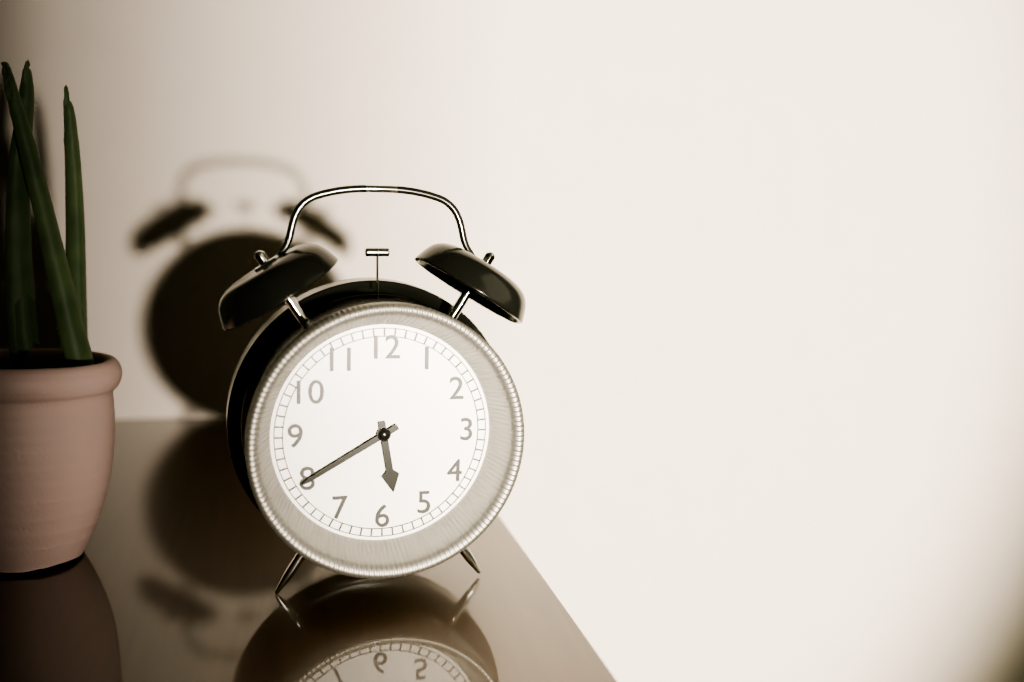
5:40
